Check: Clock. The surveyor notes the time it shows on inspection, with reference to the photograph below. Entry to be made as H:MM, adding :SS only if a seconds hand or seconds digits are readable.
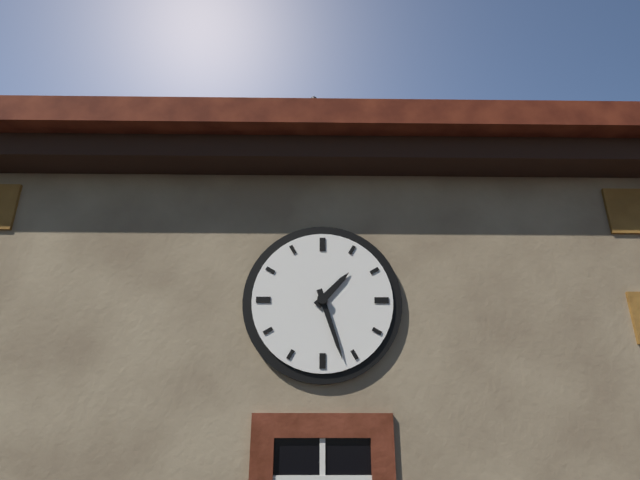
1:27
